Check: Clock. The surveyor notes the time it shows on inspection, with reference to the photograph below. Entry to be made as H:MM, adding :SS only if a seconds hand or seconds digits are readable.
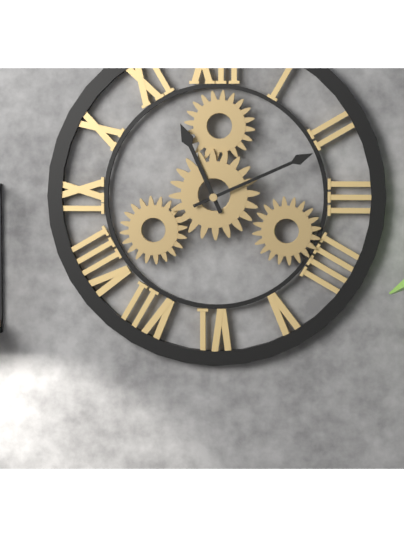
11:11
